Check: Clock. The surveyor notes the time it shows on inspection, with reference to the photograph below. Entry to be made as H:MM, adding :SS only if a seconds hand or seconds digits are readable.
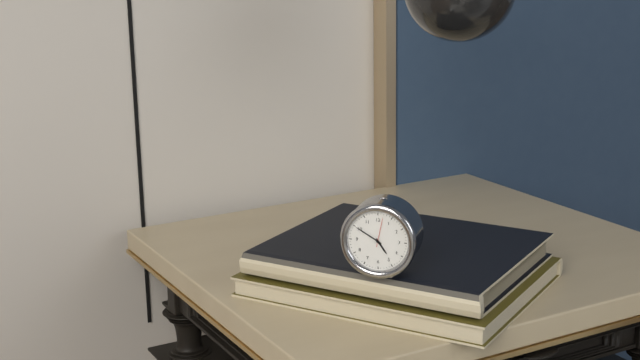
4:50
